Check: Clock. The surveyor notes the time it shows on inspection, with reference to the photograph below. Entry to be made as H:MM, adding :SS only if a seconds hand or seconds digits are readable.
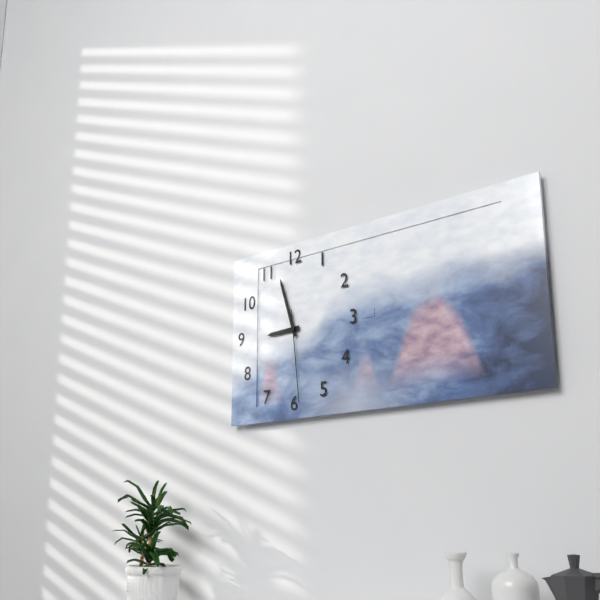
8:57:29
